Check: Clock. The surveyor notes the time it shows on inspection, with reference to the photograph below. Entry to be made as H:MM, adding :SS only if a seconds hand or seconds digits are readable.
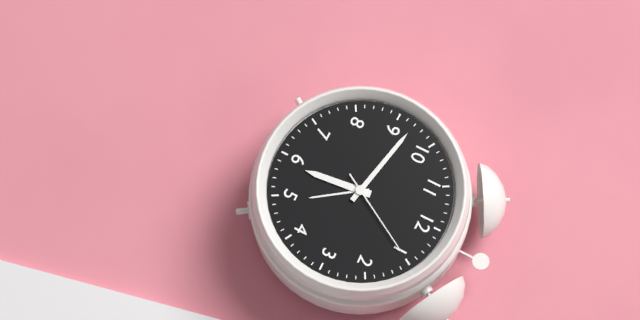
5:47:05
